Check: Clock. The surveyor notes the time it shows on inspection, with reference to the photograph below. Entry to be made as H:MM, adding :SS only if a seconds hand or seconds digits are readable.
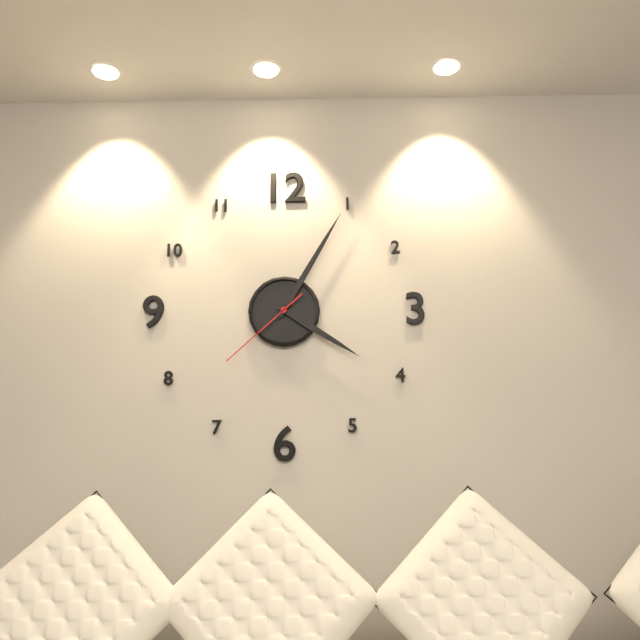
4:05:38
